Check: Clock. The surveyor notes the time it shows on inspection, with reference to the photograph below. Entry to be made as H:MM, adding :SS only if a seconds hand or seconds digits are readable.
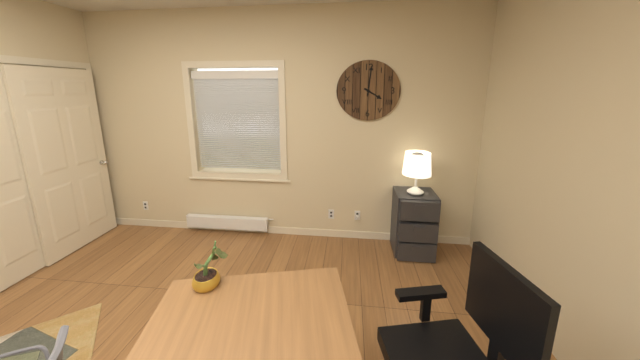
4:01
